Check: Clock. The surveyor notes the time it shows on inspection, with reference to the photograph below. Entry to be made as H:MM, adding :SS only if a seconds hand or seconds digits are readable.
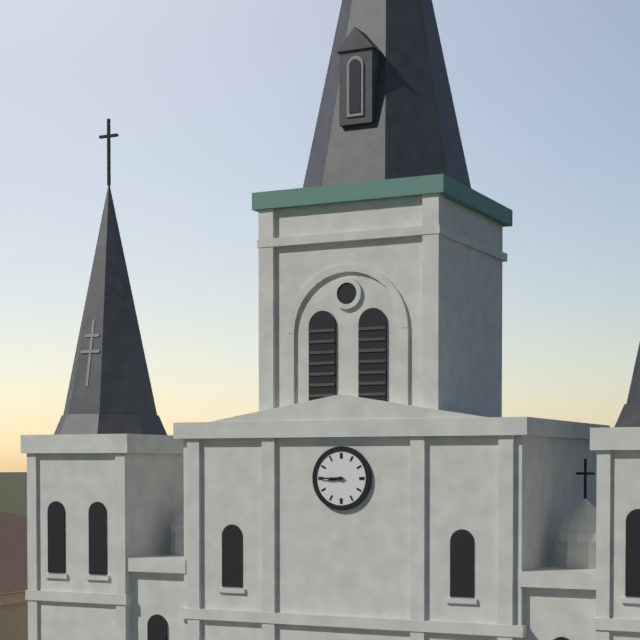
8:45
